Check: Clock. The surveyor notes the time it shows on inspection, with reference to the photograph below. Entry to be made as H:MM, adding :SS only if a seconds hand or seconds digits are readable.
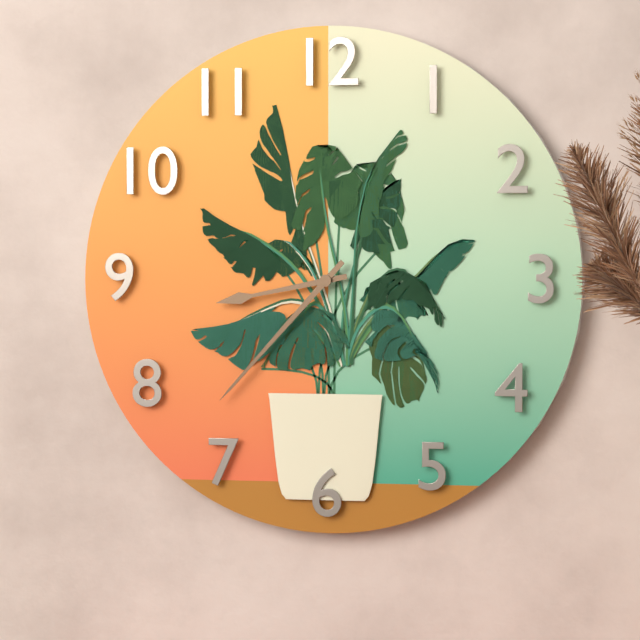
8:37
